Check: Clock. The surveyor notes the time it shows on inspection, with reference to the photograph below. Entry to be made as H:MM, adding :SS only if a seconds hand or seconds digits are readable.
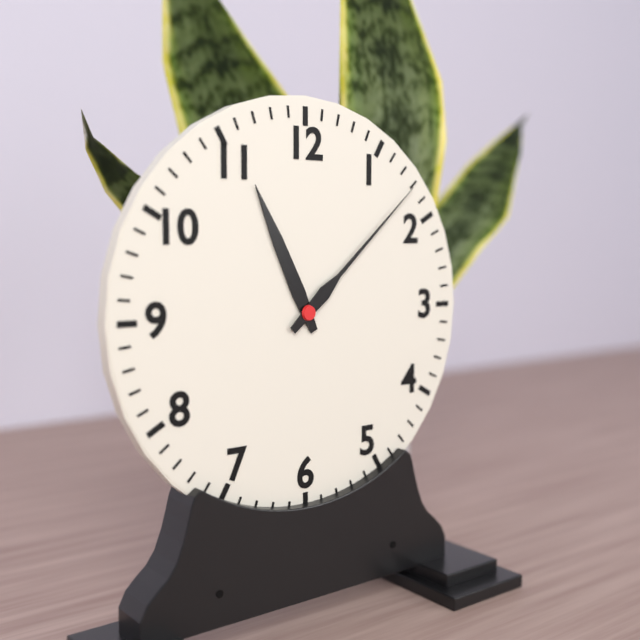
11:08
